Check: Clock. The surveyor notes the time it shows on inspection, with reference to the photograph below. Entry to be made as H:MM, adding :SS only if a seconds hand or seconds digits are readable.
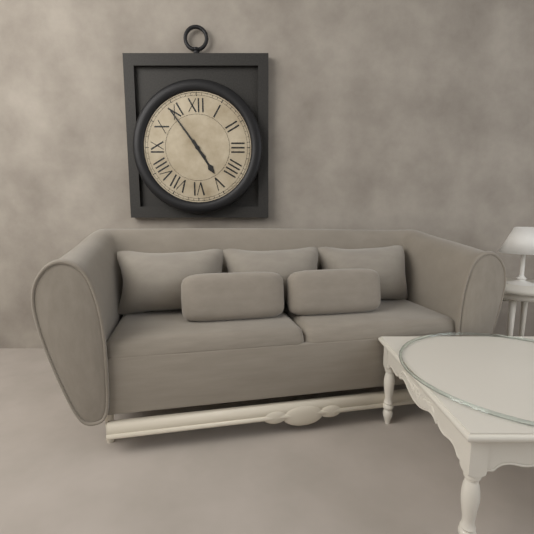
4:54
